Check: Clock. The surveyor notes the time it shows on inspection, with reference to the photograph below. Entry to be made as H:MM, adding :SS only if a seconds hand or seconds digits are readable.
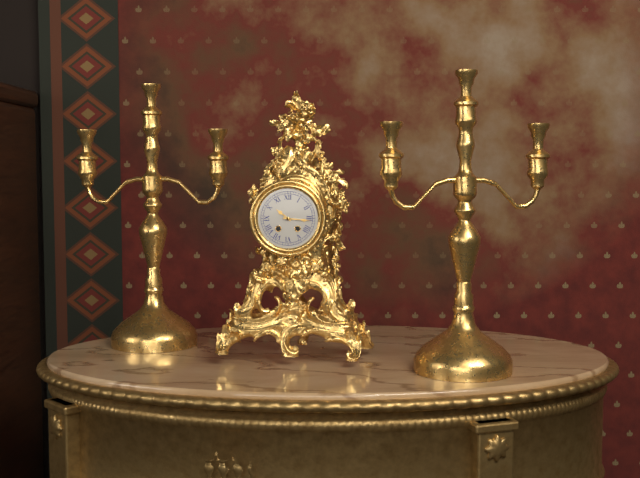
10:16
